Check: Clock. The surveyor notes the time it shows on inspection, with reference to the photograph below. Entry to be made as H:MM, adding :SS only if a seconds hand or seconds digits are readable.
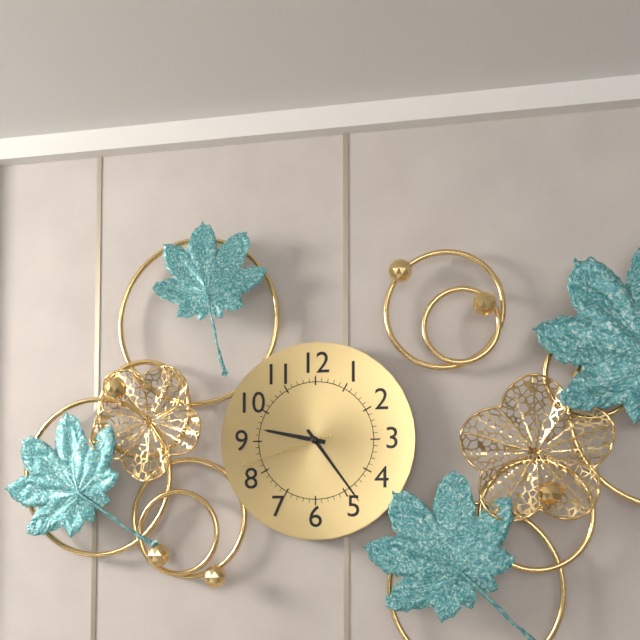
9:24:42
